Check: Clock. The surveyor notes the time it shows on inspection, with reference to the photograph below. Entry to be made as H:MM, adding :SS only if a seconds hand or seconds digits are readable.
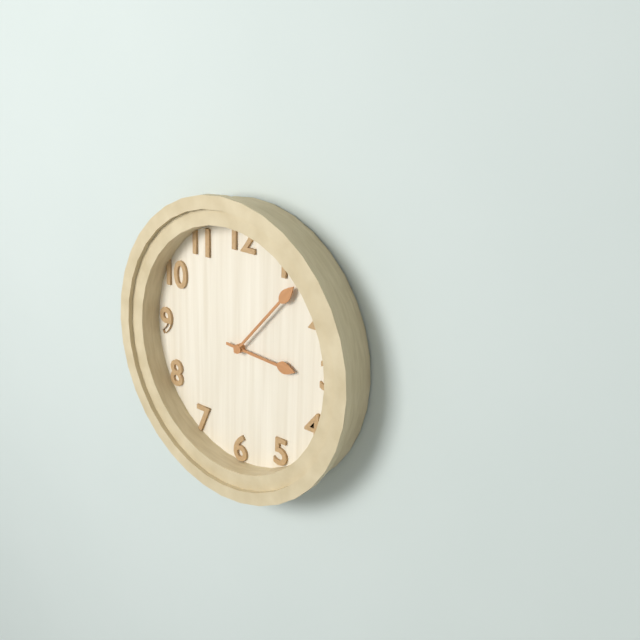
3:07
